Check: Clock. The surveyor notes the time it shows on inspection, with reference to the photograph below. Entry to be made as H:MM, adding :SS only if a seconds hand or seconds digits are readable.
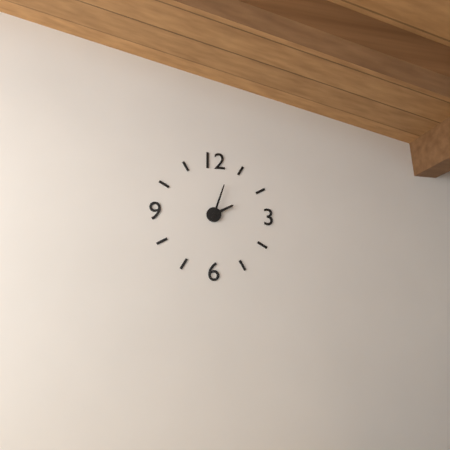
2:03
